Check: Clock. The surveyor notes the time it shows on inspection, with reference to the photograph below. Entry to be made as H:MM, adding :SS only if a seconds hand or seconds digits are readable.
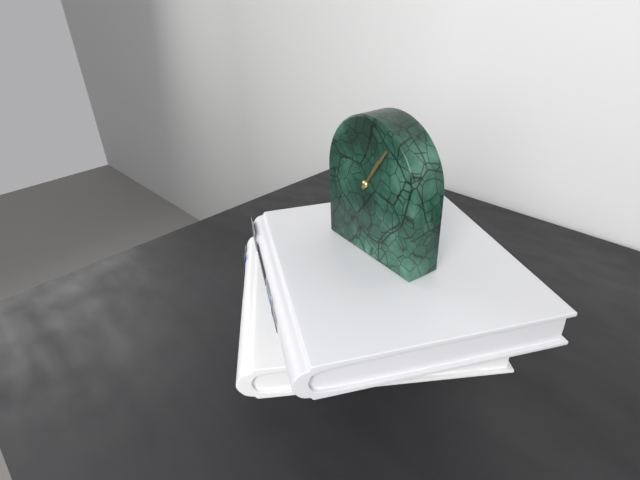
1:06
